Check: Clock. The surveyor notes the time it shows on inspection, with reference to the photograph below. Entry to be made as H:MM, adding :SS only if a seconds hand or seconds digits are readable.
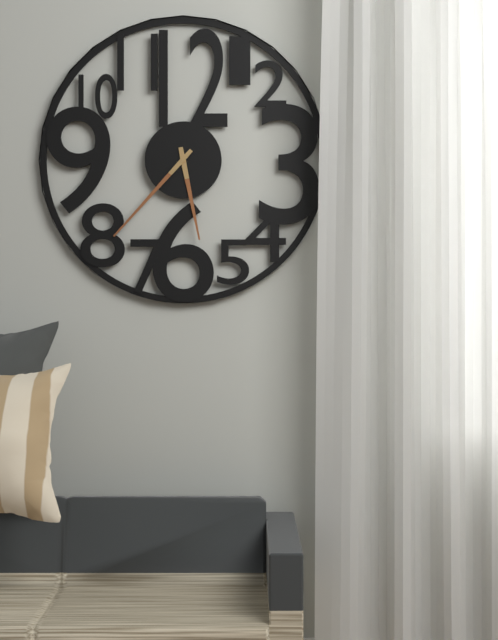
5:37
